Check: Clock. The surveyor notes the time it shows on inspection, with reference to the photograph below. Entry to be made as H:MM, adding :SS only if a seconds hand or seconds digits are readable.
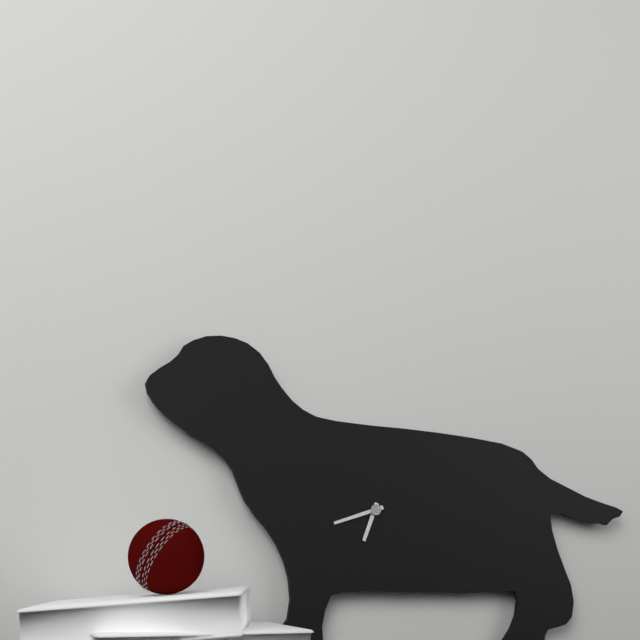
6:42
